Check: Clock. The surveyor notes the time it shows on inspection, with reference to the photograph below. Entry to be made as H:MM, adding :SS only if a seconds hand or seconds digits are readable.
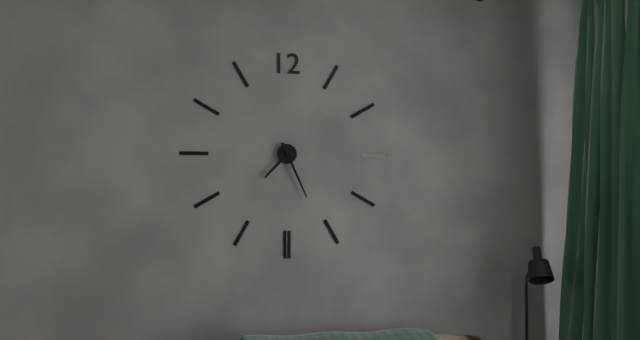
7:26
